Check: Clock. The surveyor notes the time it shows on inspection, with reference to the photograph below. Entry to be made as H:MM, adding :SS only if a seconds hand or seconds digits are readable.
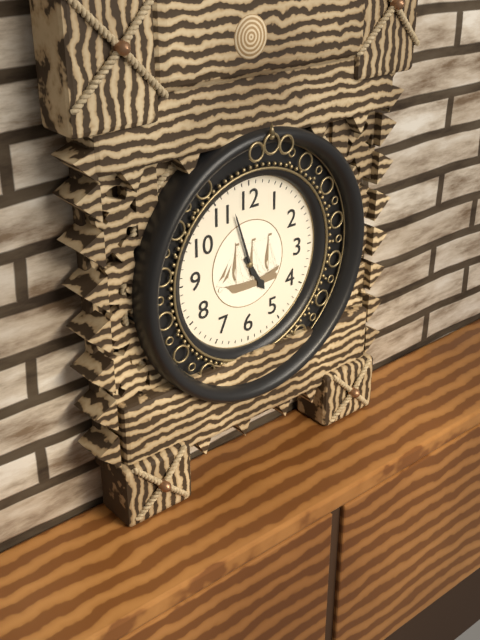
4:57
